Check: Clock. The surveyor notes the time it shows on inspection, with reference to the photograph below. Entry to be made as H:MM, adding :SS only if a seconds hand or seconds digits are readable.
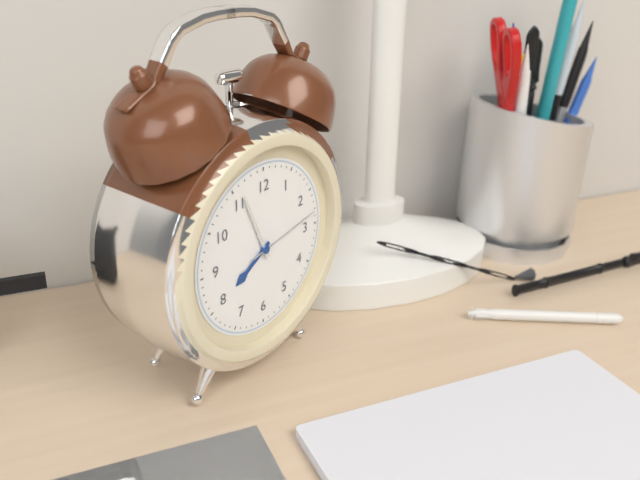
7:56:13
